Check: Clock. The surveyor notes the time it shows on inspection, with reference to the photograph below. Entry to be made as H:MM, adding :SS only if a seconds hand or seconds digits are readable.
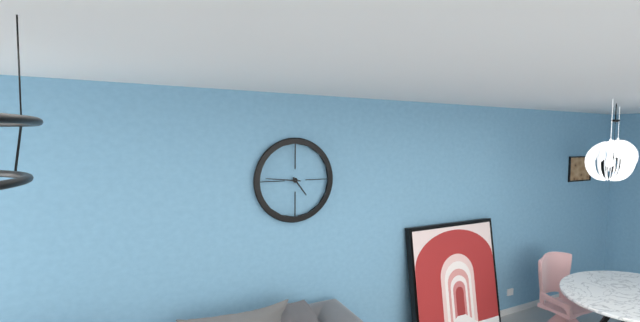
4:46
